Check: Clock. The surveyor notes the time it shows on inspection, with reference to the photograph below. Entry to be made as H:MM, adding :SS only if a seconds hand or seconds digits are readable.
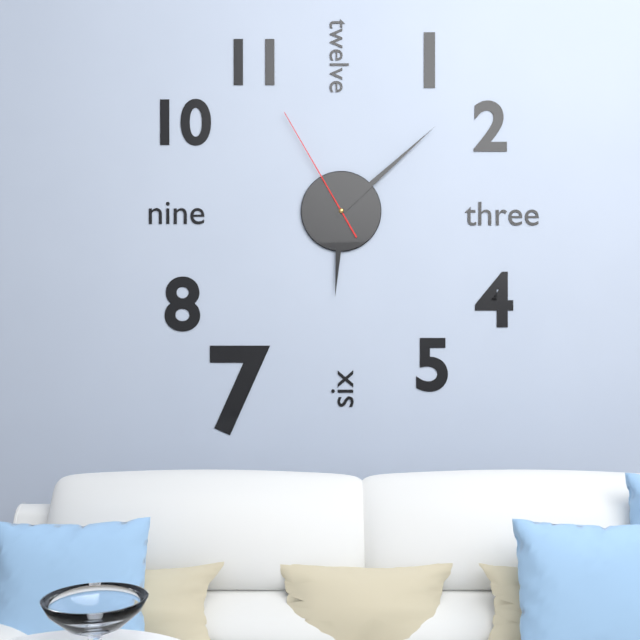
6:08:55
